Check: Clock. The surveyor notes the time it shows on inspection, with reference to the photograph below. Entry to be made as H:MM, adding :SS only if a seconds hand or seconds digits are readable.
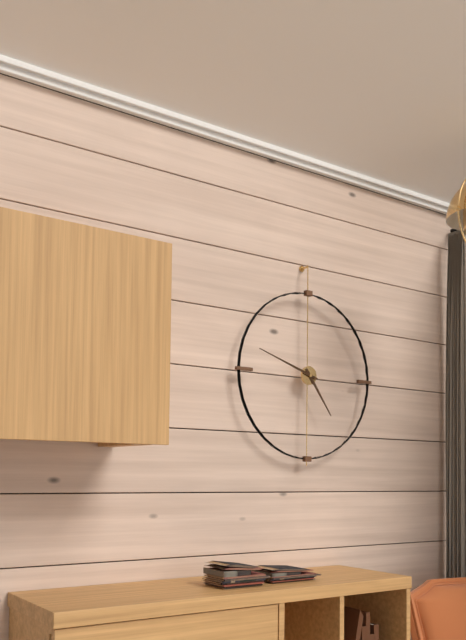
4:48
